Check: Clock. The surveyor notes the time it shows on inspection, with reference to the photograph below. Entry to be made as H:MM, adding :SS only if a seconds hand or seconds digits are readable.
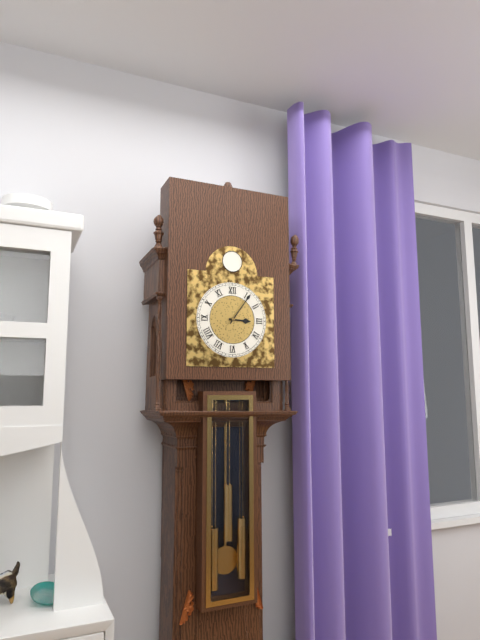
3:06
